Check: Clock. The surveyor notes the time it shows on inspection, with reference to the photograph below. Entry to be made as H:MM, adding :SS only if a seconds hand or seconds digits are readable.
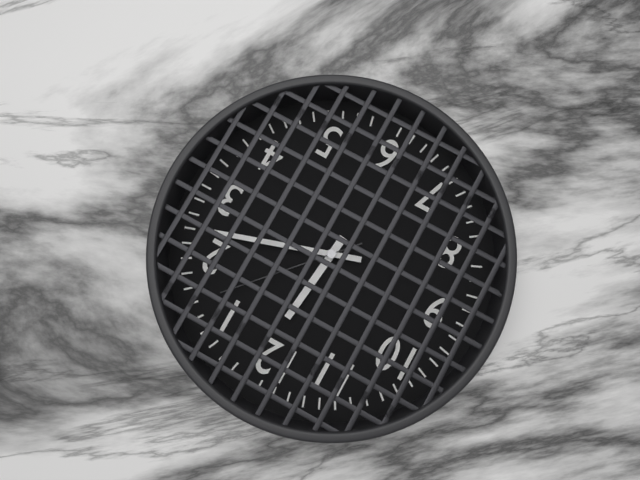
12:12:07
